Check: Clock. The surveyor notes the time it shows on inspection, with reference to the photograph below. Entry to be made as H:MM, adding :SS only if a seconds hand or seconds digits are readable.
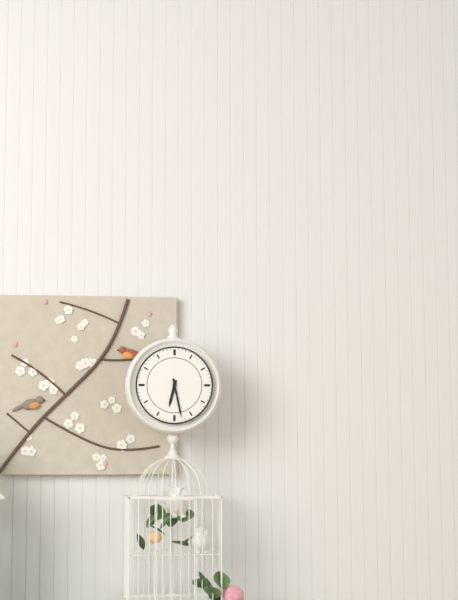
6:28
